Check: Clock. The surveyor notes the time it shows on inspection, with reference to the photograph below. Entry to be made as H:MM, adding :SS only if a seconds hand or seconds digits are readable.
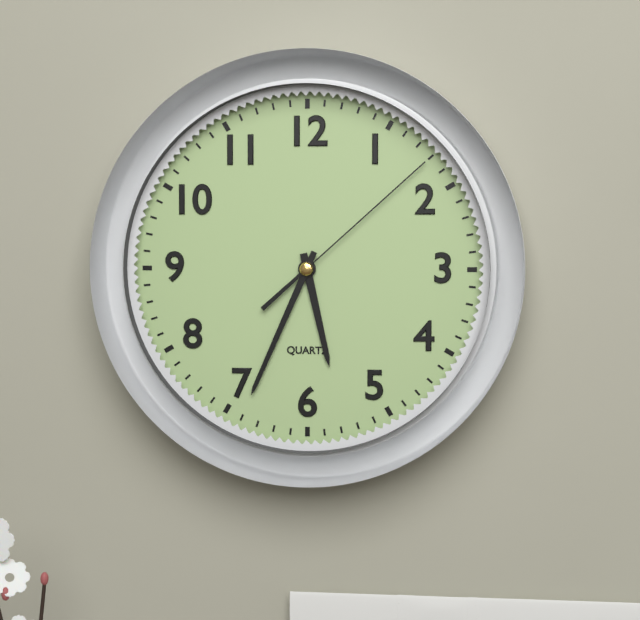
5:34:08
